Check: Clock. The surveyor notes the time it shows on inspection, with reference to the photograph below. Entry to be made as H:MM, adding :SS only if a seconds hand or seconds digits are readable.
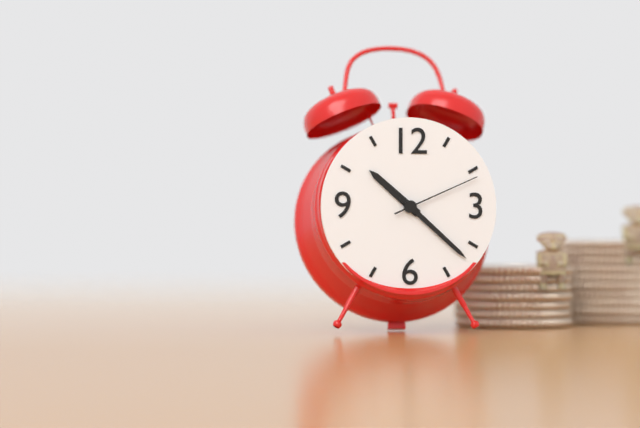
10:22:11
